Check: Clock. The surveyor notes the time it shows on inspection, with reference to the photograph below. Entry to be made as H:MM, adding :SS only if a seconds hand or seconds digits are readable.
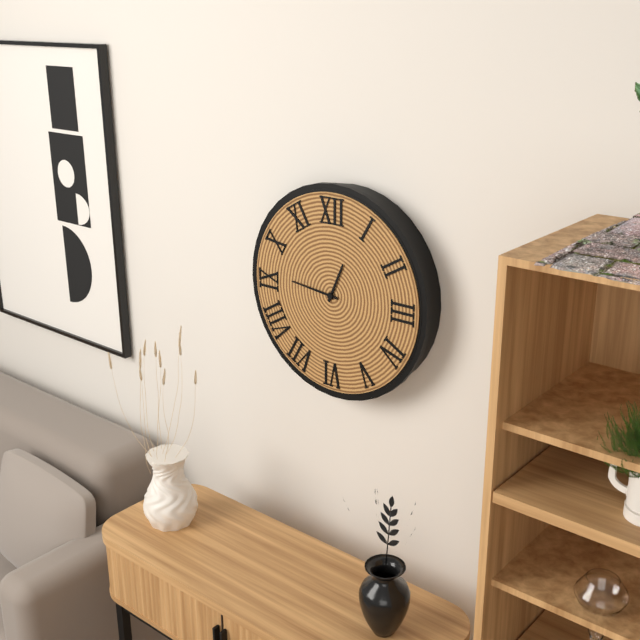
12:46
